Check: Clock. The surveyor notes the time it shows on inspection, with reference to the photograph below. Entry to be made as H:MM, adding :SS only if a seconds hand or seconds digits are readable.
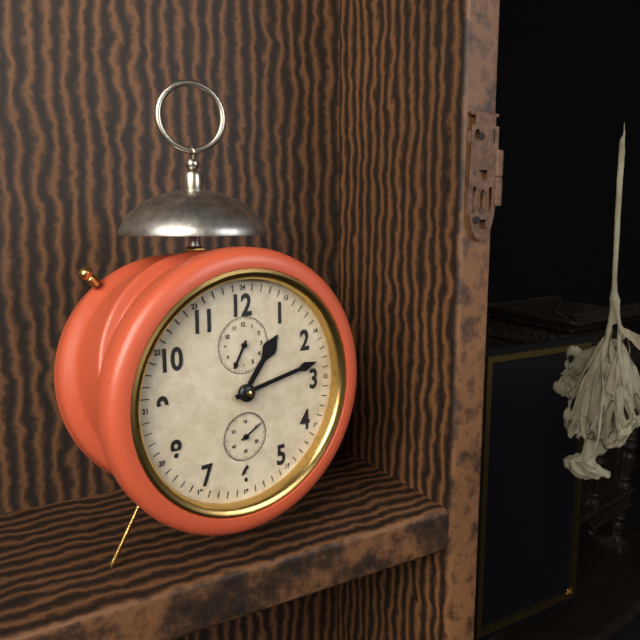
1:13
